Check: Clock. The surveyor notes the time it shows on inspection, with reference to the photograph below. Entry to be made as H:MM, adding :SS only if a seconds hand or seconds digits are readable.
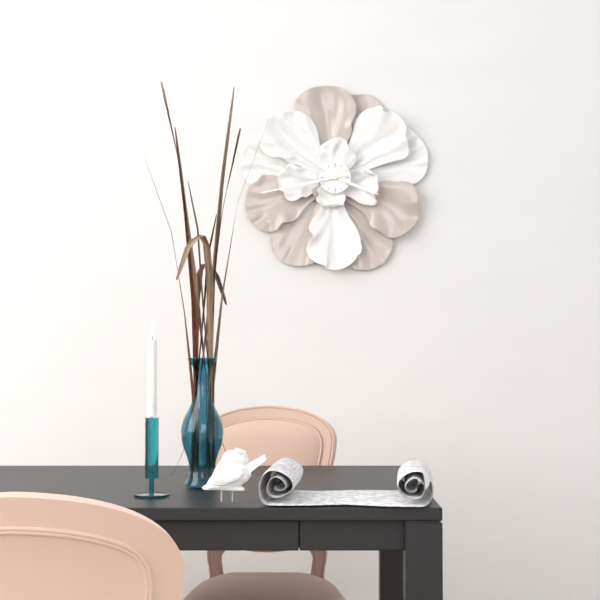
3:43
